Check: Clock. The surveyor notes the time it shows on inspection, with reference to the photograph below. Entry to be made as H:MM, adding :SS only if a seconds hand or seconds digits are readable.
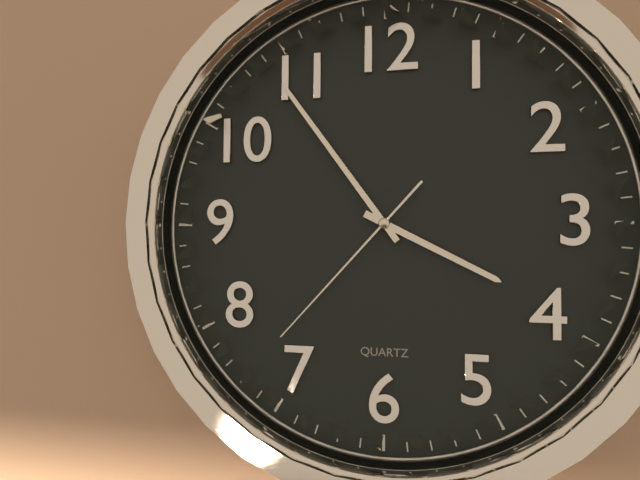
3:54:37
